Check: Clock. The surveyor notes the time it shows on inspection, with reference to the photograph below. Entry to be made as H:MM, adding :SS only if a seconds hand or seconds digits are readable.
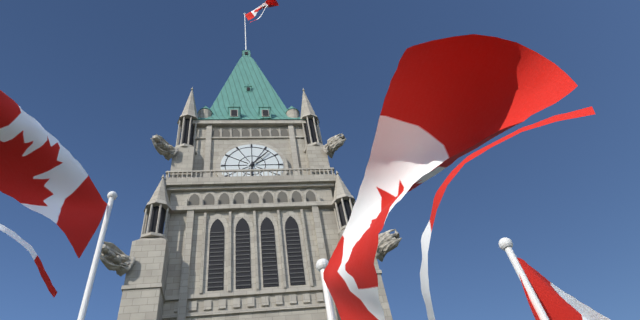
6:07
